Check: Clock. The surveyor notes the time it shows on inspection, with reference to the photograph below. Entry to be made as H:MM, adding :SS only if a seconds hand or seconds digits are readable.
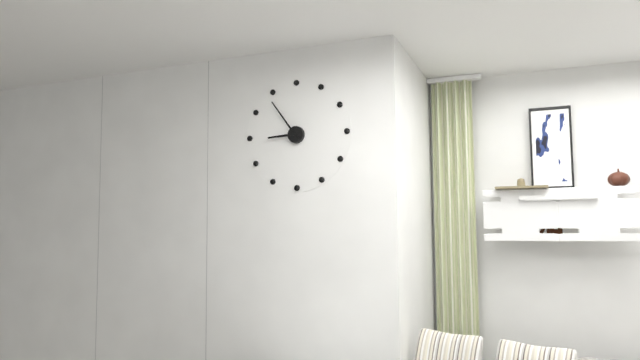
8:54
